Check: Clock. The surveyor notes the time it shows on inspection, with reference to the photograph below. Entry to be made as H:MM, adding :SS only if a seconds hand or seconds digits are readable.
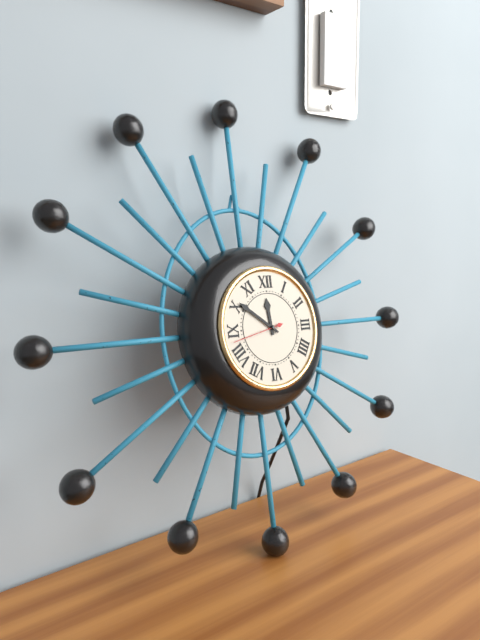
11:51:43
